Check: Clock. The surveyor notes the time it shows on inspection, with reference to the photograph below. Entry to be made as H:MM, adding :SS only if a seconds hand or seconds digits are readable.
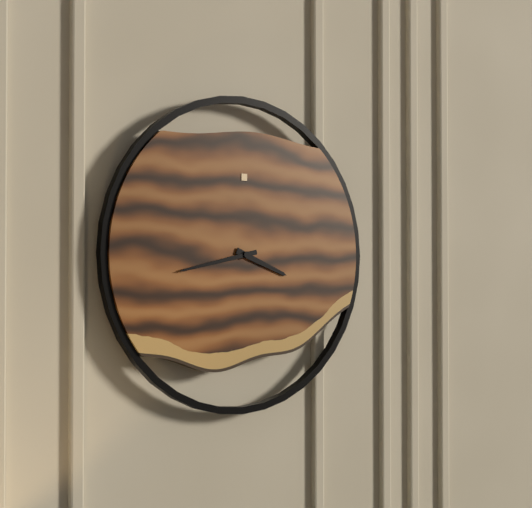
3:43
